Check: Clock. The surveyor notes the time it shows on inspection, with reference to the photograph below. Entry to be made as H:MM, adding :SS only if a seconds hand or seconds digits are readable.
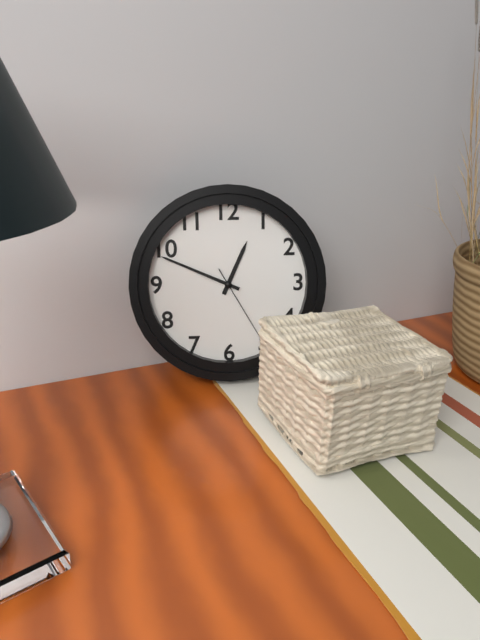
12:49:25
